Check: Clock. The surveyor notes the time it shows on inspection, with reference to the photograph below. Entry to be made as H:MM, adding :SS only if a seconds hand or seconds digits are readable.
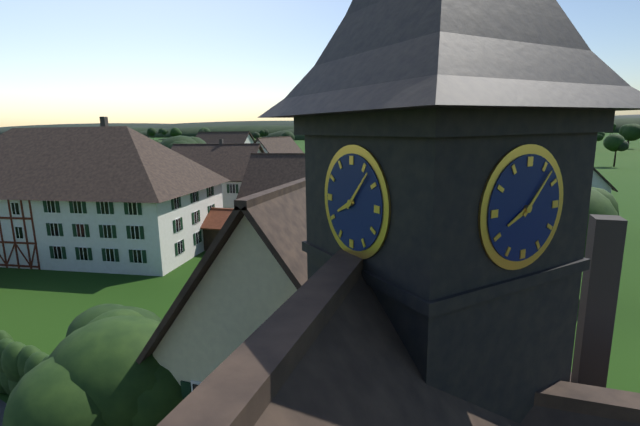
8:07
